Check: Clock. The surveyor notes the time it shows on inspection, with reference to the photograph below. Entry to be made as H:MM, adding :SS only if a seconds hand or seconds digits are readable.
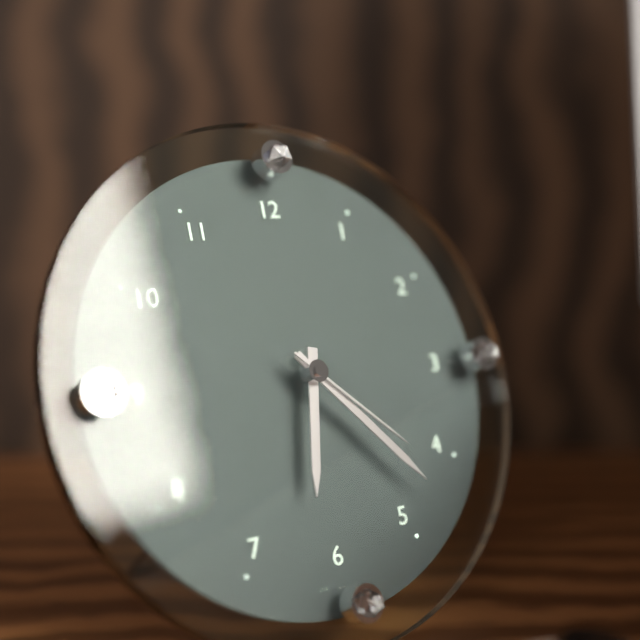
6:23:22
